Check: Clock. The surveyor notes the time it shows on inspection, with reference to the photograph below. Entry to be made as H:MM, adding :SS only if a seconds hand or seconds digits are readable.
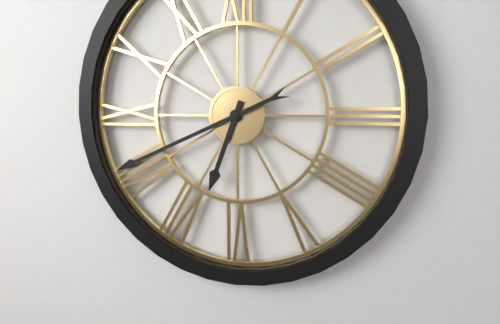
6:41
